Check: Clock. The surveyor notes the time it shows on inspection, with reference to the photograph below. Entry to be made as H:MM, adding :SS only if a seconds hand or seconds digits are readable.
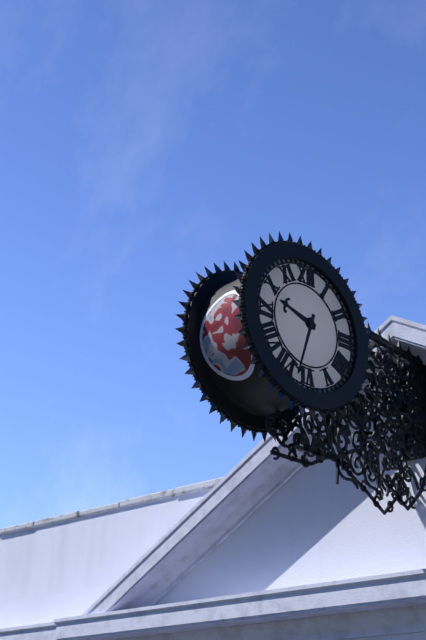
9:33
